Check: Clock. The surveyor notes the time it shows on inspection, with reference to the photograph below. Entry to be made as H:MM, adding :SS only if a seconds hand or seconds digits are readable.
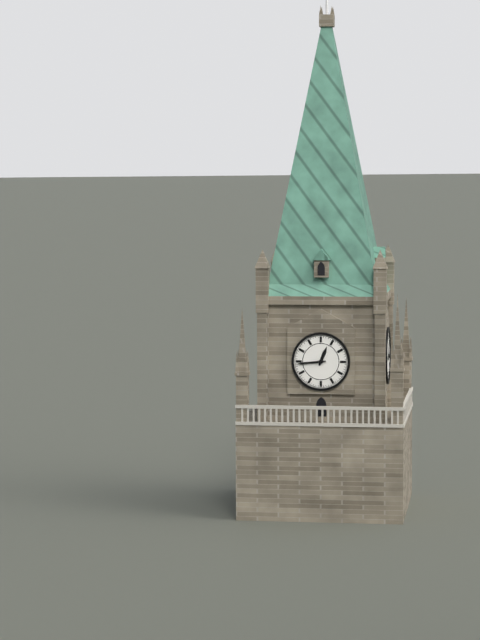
12:44
